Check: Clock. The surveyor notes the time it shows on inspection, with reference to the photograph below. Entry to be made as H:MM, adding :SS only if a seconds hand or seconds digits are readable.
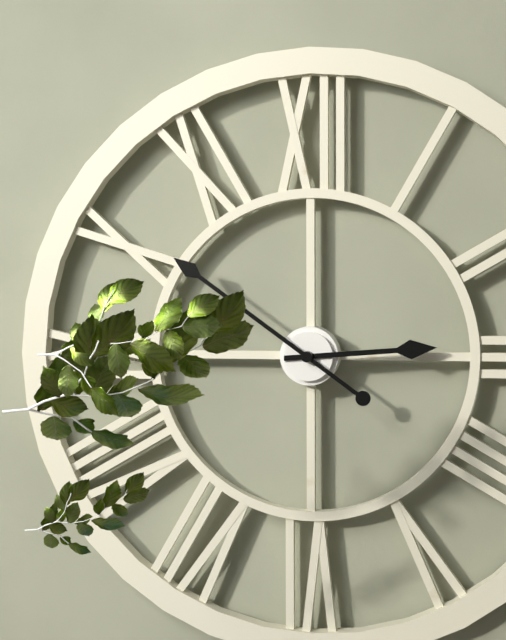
2:51
